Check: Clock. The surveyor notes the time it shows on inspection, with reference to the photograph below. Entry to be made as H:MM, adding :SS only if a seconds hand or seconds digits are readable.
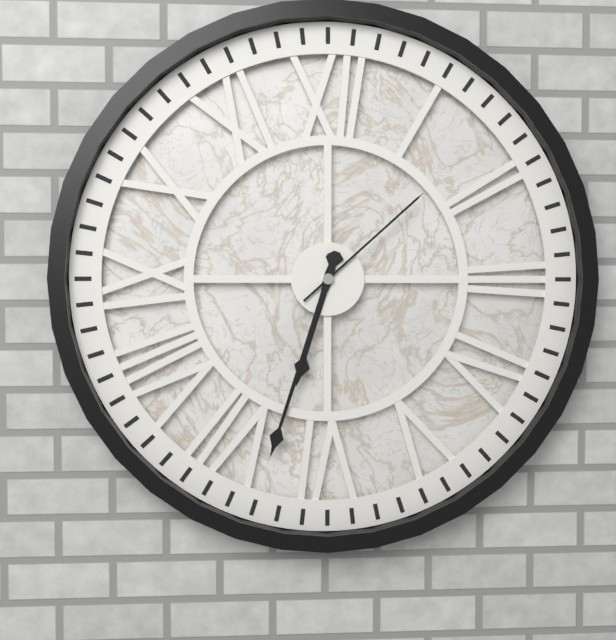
6:33:08
